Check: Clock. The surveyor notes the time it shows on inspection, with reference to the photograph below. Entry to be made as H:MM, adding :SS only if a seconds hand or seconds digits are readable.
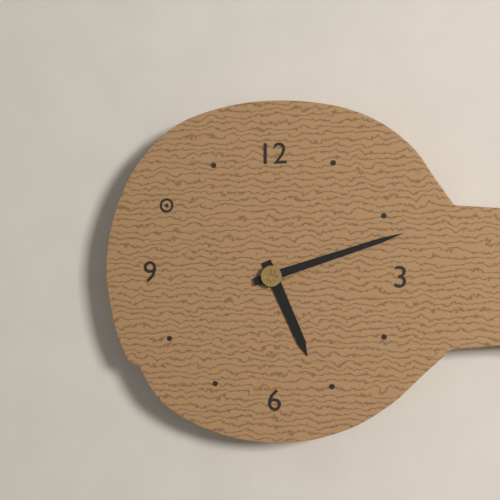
5:12
